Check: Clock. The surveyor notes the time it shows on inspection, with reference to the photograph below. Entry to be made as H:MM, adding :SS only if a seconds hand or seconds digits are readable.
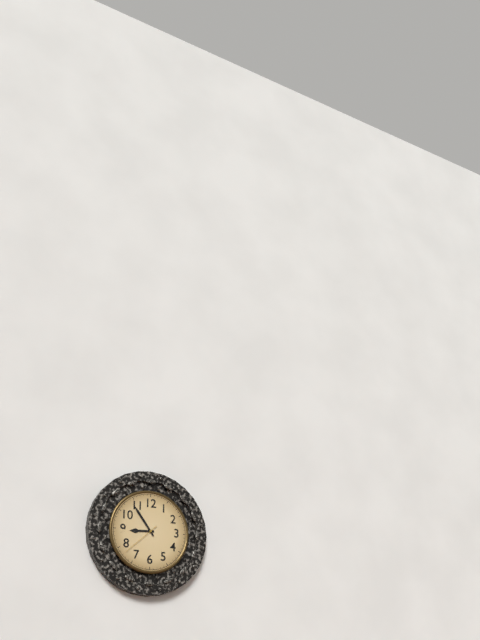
8:54
